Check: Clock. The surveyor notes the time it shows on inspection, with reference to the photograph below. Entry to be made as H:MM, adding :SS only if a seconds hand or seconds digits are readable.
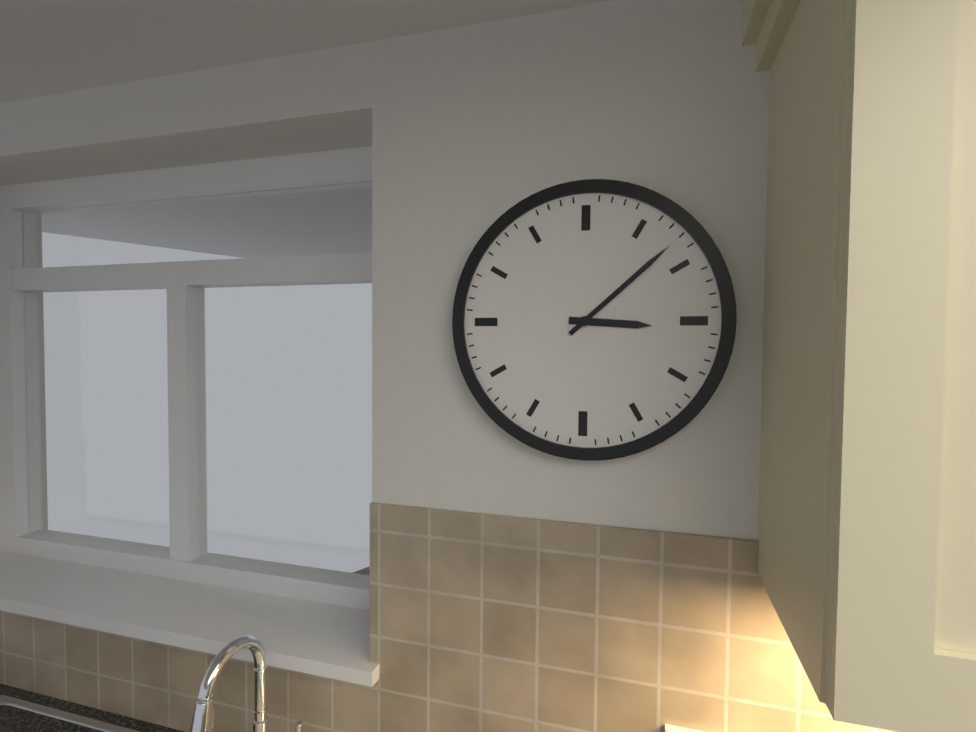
3:08
